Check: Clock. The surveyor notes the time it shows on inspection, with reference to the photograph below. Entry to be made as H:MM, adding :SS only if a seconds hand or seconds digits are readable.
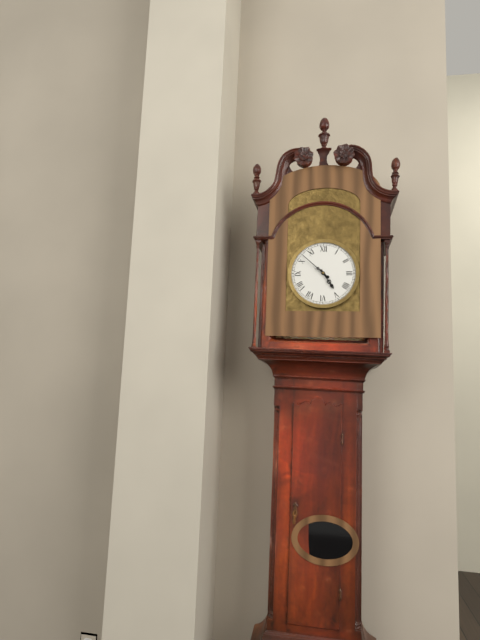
4:52
